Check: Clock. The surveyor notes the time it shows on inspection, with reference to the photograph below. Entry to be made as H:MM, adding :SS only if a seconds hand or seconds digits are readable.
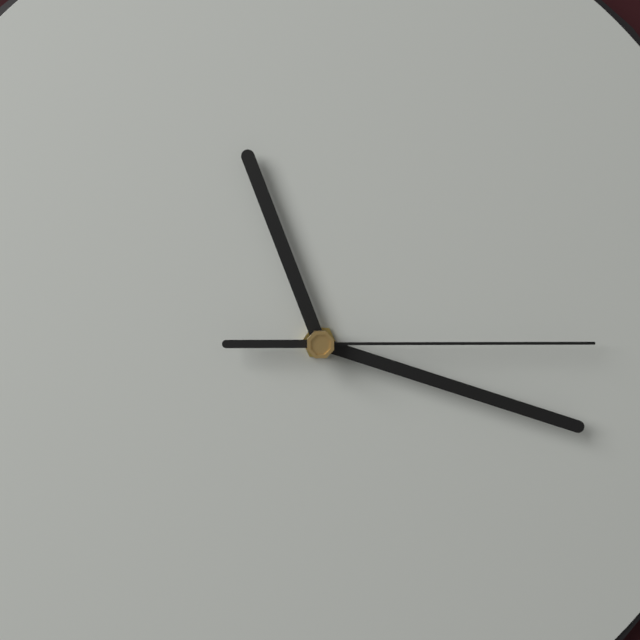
11:18:15
